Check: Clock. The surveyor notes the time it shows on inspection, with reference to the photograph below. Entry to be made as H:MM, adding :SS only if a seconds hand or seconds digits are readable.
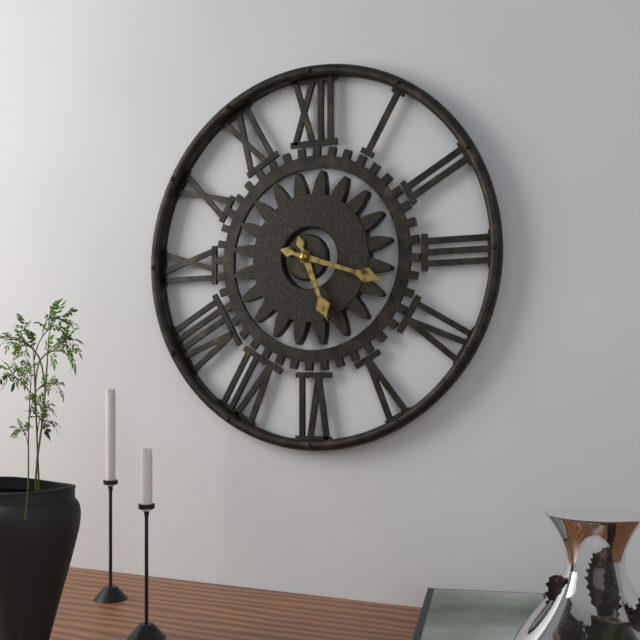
5:18
